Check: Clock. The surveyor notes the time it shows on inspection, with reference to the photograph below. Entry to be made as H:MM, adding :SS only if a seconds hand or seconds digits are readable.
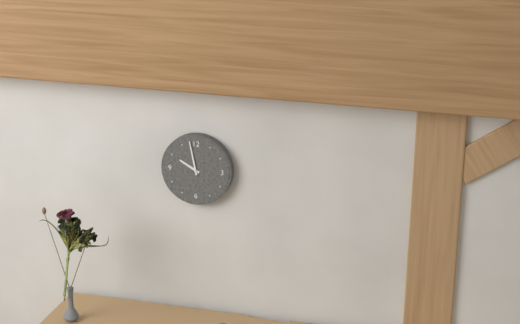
9:58
